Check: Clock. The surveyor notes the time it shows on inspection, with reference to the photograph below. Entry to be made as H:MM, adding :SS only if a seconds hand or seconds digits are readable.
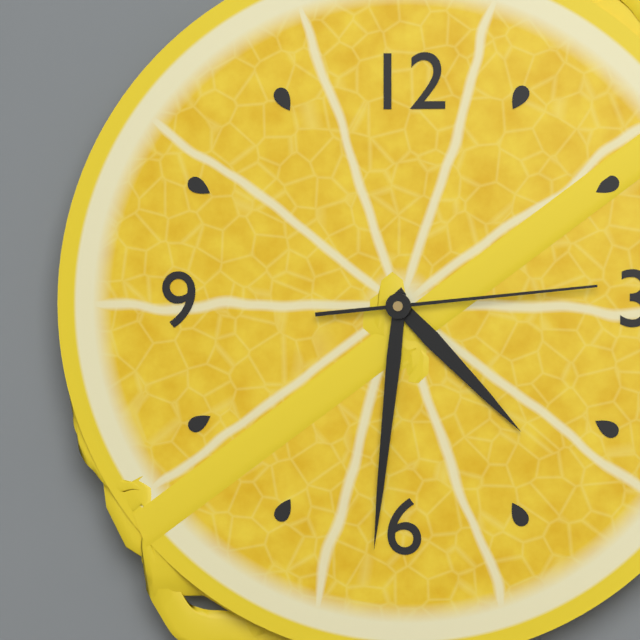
4:31:14
